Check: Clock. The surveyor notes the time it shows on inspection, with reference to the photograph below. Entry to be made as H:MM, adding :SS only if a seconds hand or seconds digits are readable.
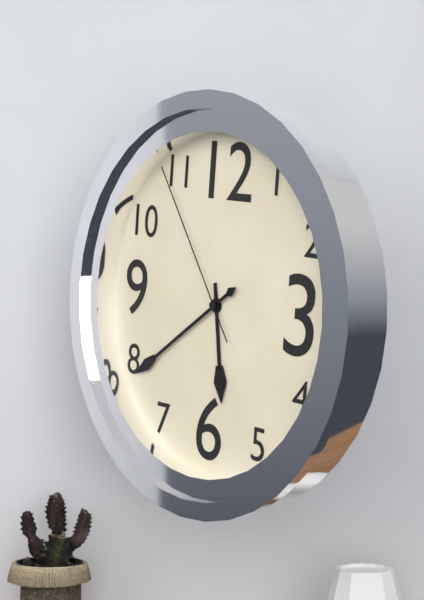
5:39:54
